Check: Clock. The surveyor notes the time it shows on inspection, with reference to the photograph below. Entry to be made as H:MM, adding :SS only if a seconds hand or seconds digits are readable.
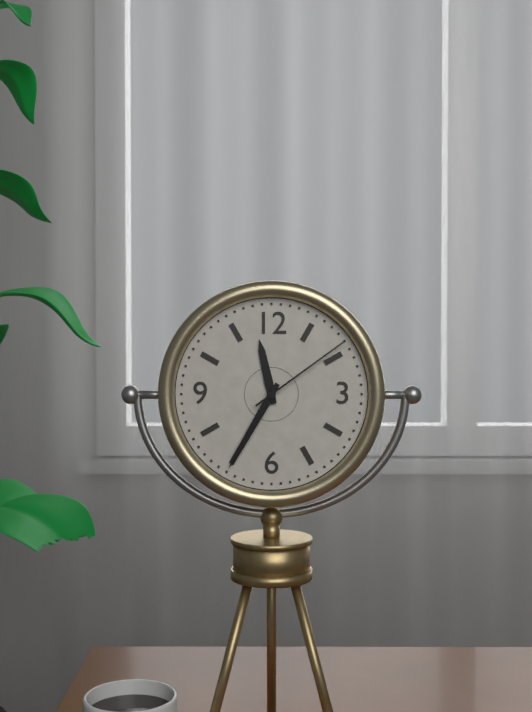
11:35:09
